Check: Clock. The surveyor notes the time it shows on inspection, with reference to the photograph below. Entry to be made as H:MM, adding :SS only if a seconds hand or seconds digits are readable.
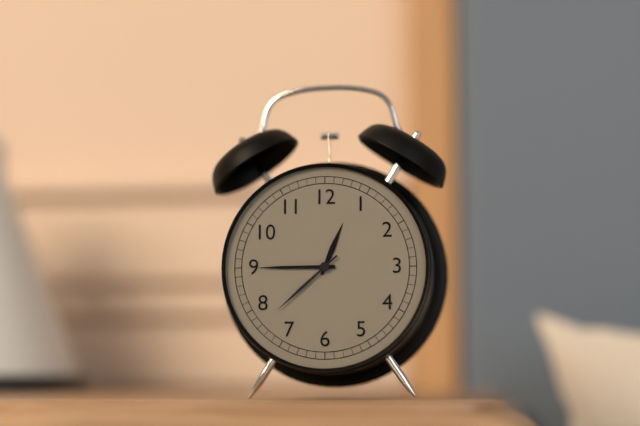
12:45:38
